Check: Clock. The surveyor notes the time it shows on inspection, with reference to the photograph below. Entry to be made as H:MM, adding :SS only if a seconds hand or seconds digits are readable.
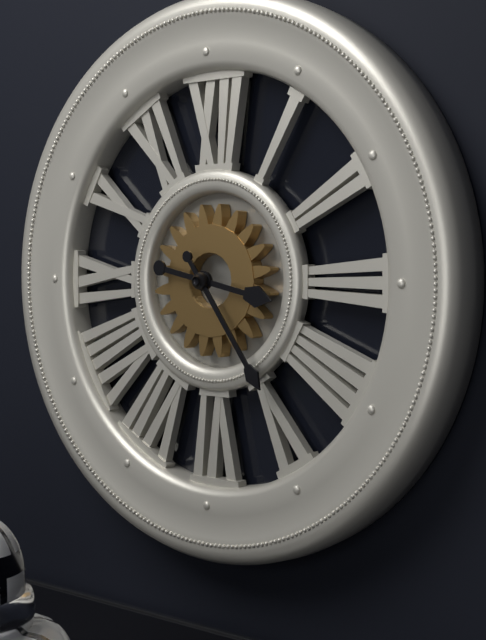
3:24
